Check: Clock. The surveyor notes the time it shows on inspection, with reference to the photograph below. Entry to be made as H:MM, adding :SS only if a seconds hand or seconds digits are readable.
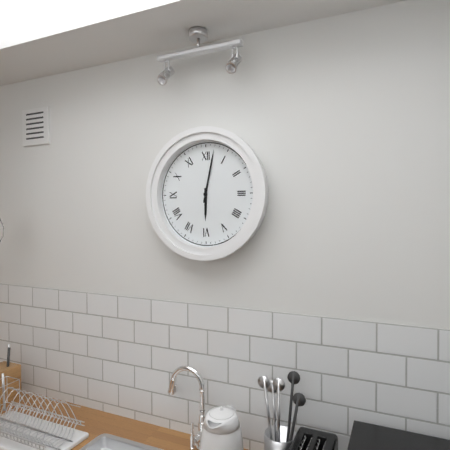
6:02
